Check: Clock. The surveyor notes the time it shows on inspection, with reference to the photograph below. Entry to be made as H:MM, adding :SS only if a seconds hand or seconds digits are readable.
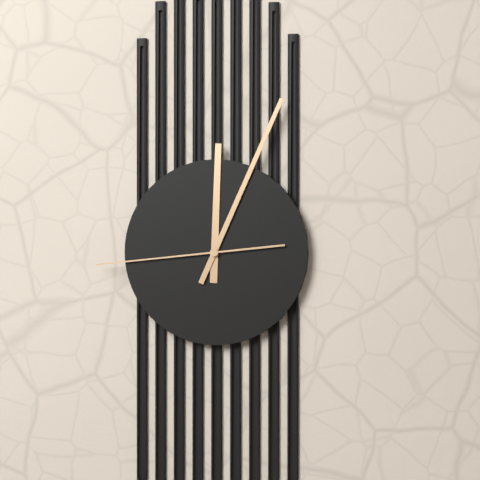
12:04:44
